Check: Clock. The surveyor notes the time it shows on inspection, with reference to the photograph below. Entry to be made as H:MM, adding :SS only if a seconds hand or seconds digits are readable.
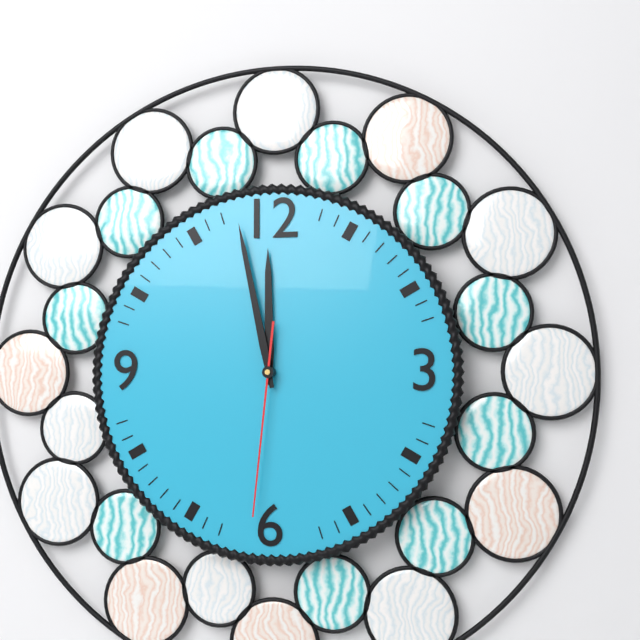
11:58:31
